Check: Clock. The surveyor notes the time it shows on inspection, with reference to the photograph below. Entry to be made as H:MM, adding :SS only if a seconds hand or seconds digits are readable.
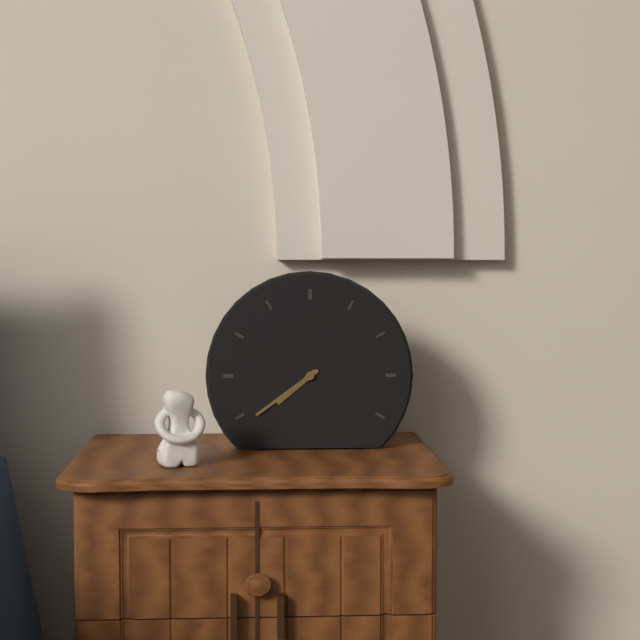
7:39
